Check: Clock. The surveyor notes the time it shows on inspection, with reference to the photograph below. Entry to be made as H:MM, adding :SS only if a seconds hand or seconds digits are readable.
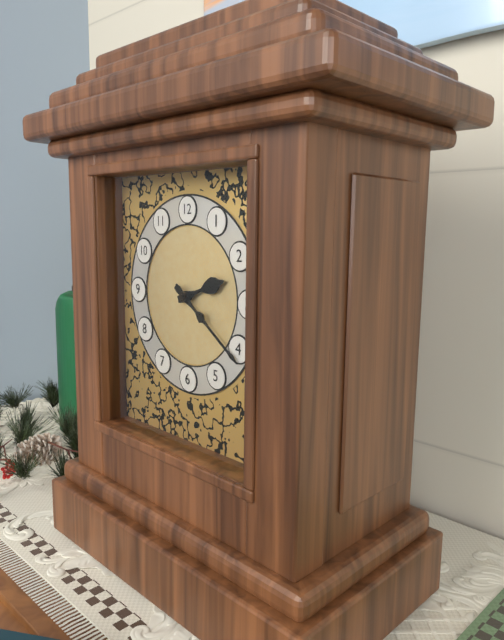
2:21
